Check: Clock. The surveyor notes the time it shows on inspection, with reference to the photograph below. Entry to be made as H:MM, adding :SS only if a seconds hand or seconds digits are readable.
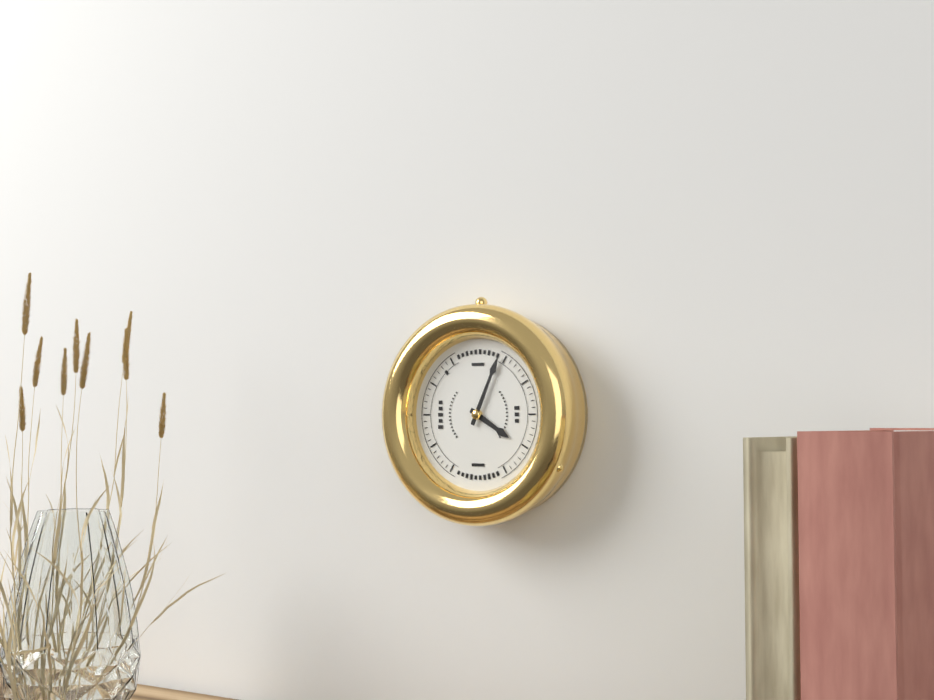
4:04
